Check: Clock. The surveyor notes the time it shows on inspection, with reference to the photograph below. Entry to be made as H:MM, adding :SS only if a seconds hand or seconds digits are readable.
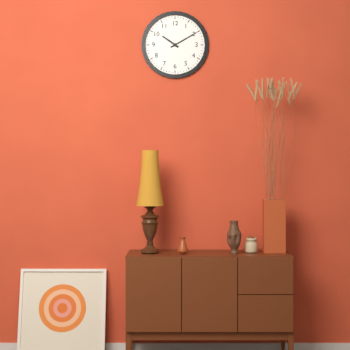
10:10
